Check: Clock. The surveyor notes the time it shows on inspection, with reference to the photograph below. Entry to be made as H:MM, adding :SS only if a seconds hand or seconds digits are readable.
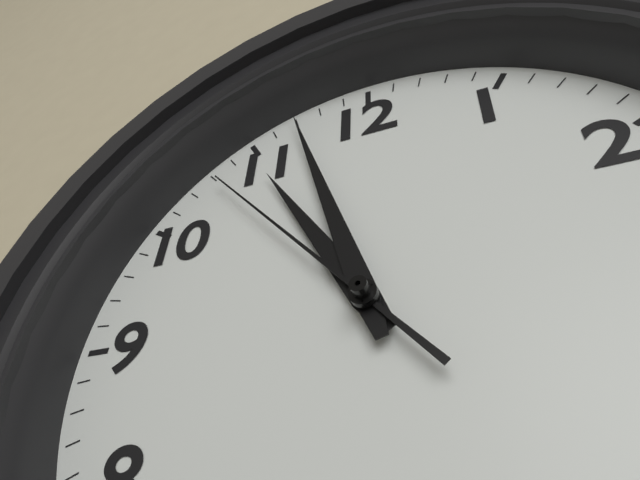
10:57:53
